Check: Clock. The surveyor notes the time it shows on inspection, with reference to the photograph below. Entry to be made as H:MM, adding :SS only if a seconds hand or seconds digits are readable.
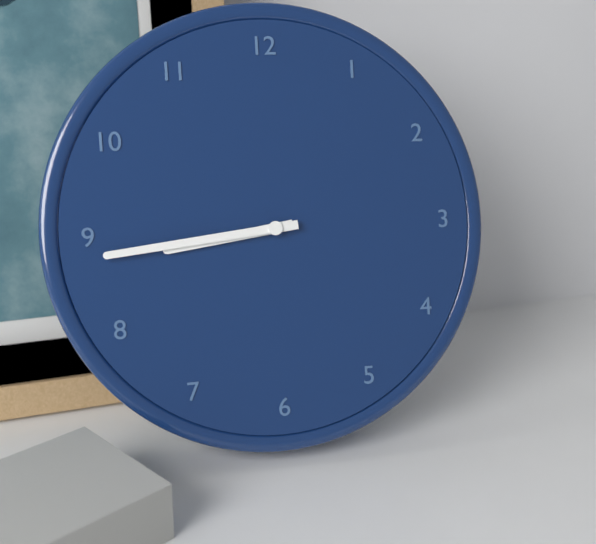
8:44
